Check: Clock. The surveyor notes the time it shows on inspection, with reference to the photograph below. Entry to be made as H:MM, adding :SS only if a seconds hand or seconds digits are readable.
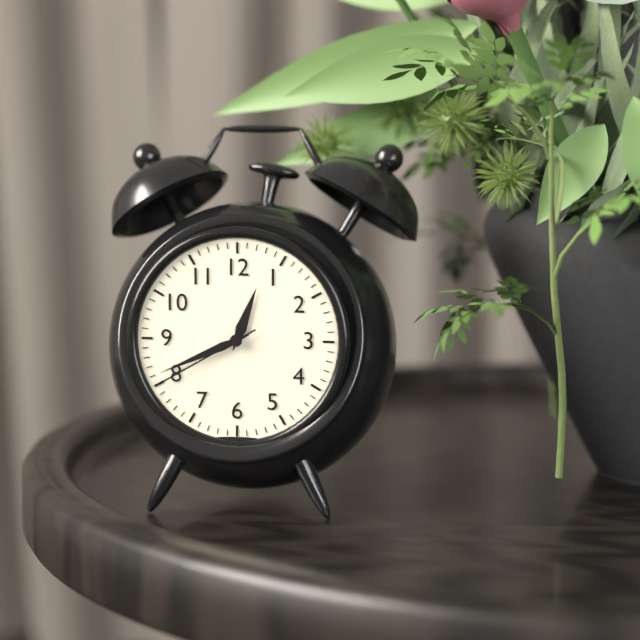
12:41:40
